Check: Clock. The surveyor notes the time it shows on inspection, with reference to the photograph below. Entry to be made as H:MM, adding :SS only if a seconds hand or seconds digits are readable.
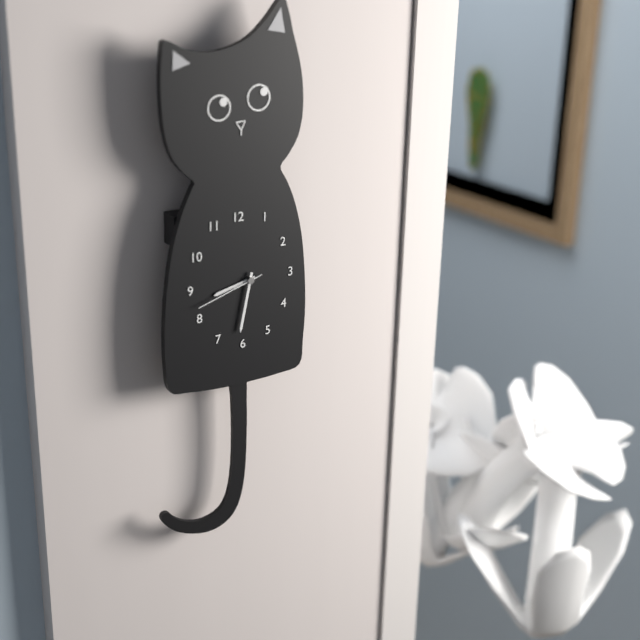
8:32:42
